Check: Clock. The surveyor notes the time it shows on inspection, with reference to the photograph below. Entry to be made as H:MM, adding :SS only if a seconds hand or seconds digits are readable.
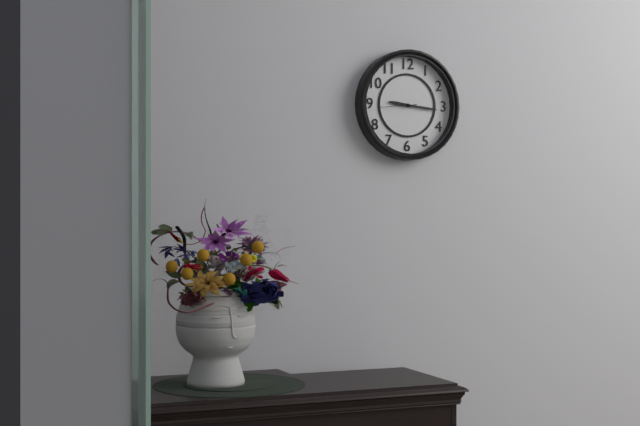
9:16
